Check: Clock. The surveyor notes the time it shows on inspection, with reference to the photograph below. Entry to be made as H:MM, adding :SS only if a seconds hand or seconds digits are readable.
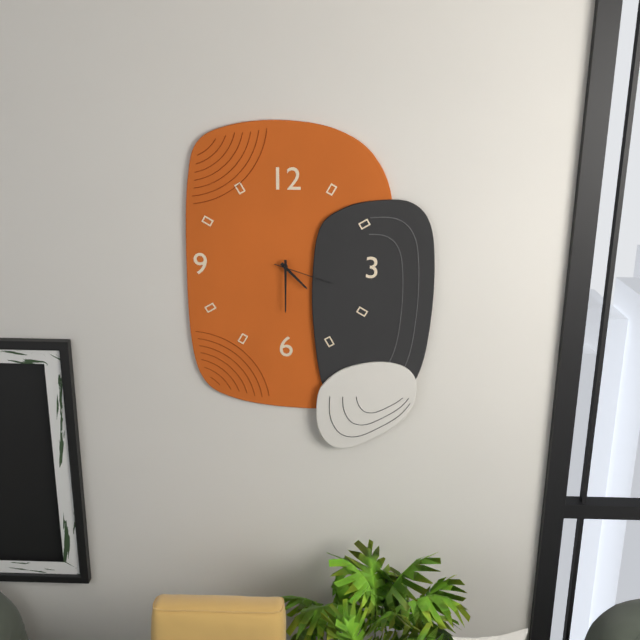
4:30:18
